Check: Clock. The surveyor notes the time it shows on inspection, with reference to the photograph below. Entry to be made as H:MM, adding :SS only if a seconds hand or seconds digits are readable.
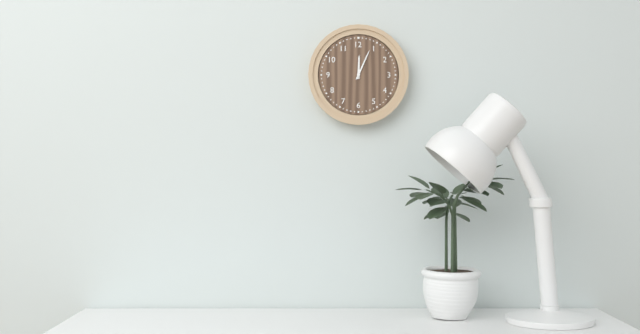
12:04
